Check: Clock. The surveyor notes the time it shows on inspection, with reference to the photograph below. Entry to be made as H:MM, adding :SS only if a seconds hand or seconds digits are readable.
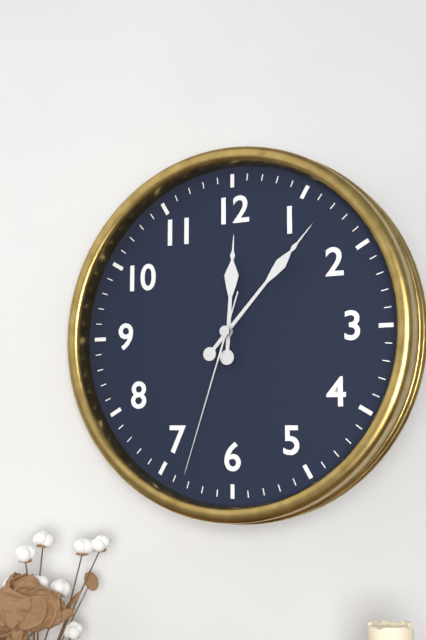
12:07:33
